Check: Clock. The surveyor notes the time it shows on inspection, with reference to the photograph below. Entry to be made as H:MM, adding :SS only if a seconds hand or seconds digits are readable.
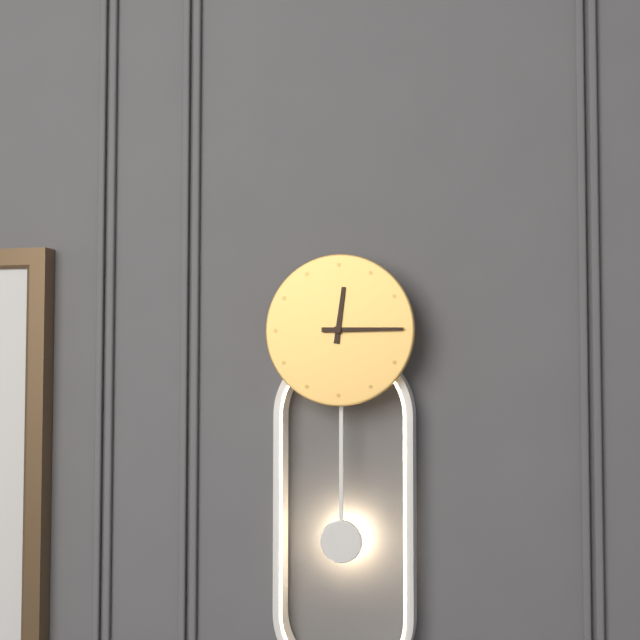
12:15
